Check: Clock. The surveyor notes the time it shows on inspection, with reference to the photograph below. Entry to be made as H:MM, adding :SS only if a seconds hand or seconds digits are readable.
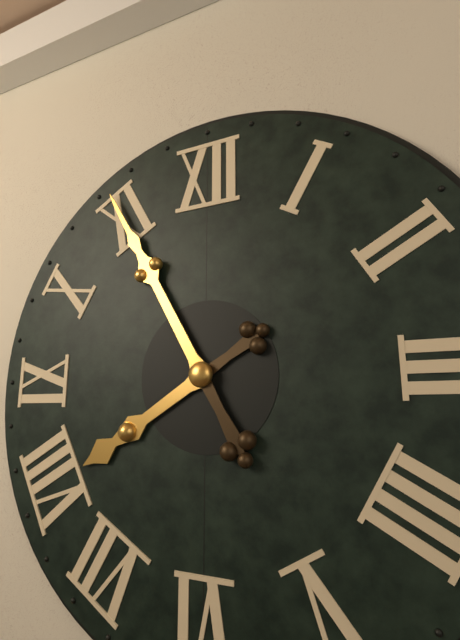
7:55
